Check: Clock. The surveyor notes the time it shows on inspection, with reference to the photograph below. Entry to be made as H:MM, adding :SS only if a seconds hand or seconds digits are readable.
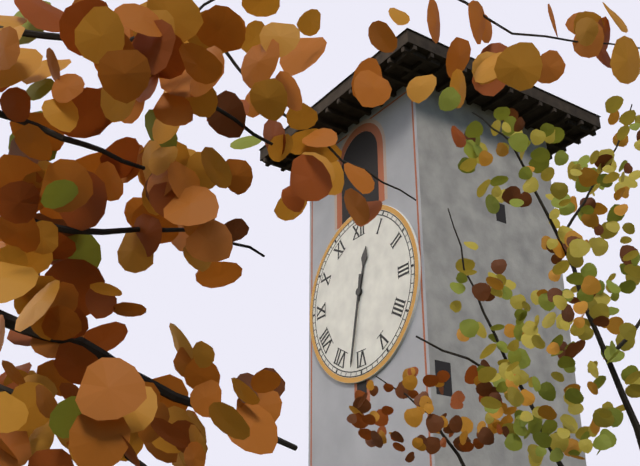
12:32
